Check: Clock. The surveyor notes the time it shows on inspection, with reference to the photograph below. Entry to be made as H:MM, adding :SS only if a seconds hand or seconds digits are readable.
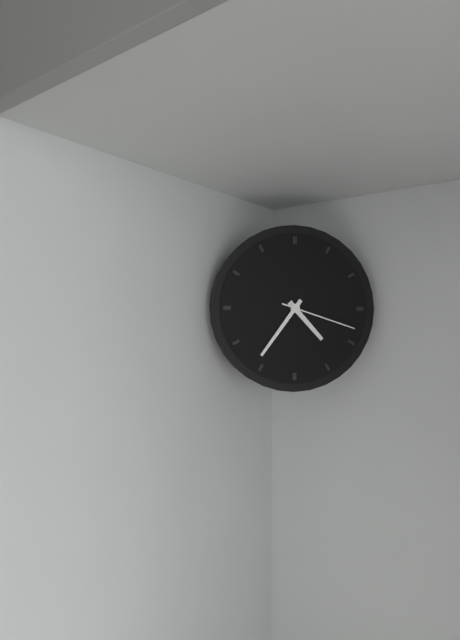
4:36:18
